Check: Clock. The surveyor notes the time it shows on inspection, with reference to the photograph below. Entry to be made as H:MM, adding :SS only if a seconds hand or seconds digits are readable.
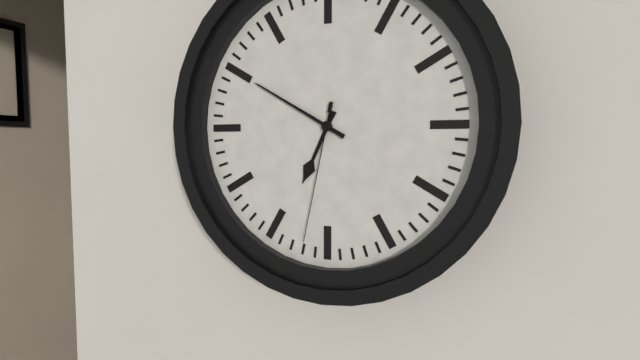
6:50:32
